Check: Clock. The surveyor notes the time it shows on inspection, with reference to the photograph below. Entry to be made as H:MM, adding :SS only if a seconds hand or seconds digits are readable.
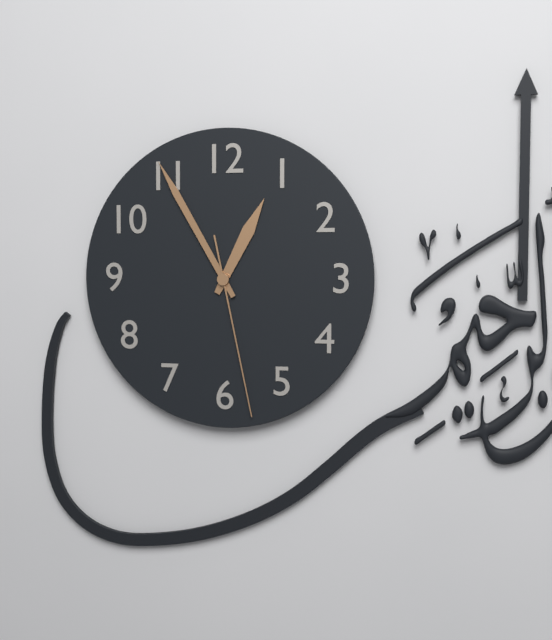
12:55:28
